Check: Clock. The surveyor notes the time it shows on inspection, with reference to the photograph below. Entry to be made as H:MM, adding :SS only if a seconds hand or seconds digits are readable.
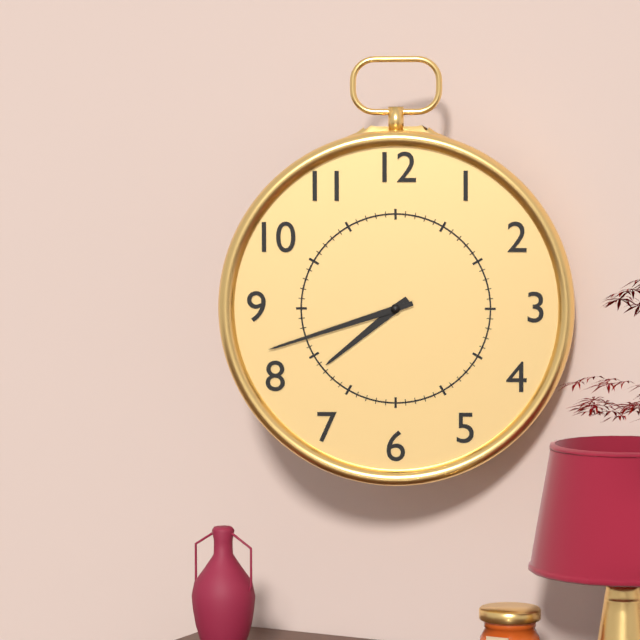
7:42
